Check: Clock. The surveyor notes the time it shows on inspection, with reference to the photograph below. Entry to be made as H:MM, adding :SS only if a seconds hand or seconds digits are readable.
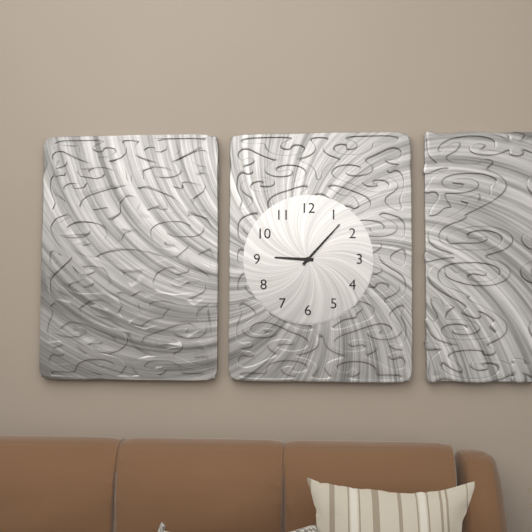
9:07
